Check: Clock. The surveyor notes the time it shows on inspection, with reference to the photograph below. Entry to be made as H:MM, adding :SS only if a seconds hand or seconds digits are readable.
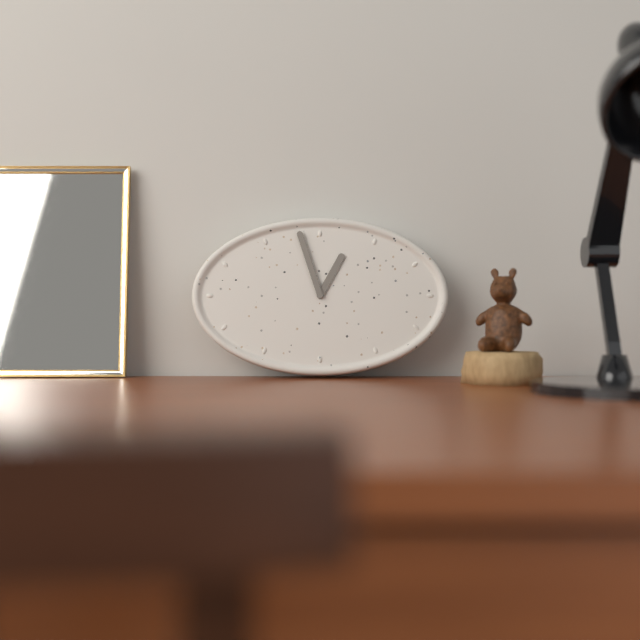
12:57
